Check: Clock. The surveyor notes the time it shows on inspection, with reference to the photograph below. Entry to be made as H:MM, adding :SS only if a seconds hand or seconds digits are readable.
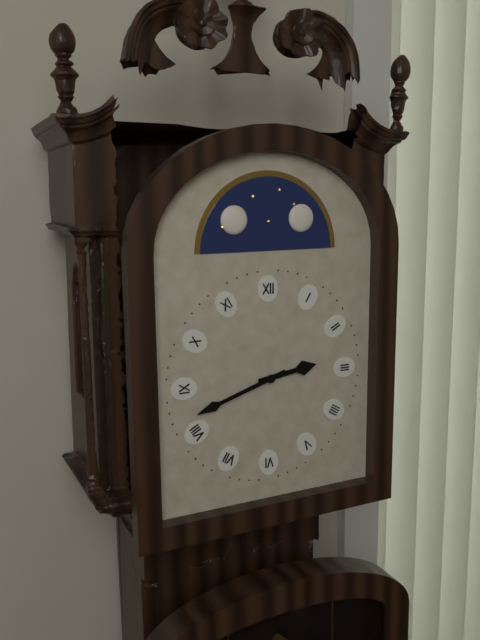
2:42
